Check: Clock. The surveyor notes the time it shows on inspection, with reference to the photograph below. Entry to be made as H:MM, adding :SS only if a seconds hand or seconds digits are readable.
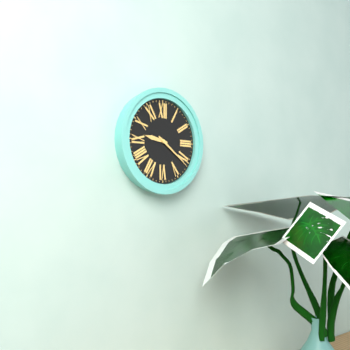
9:21
